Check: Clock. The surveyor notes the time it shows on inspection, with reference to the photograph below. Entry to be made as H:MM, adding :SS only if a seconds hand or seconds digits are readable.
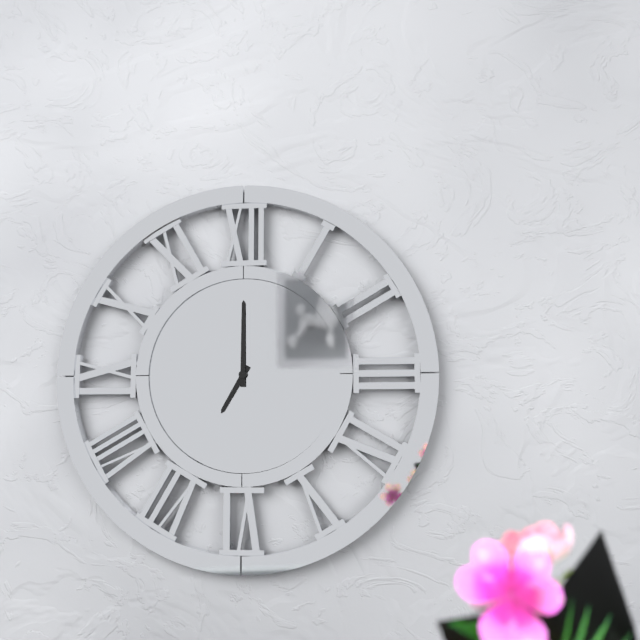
7:00
